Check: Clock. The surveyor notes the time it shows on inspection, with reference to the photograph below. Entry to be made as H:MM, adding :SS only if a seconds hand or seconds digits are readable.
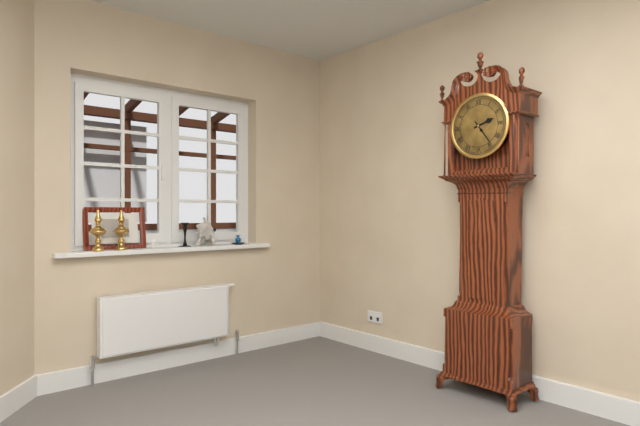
2:24
